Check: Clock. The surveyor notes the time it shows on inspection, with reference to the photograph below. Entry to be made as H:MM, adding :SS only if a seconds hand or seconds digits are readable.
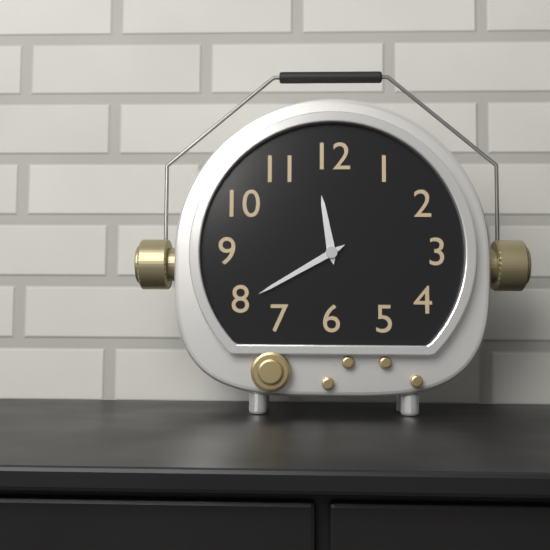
11:40
